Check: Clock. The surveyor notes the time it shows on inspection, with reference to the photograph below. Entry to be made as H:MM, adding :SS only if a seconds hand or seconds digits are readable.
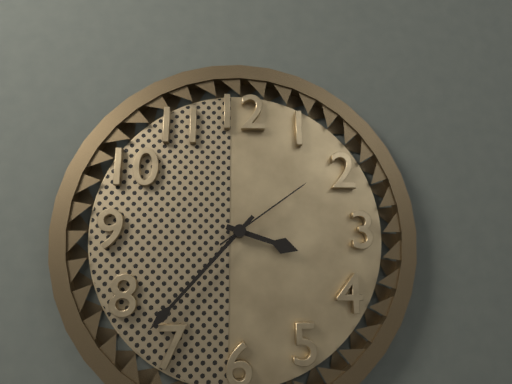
3:37:09
